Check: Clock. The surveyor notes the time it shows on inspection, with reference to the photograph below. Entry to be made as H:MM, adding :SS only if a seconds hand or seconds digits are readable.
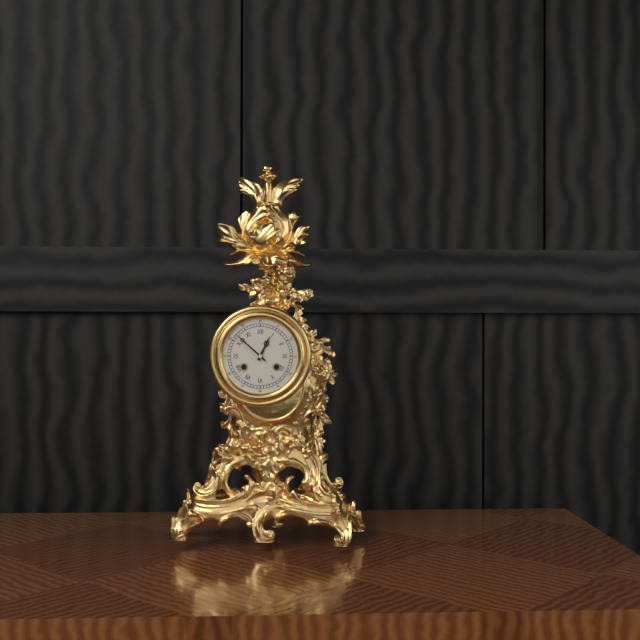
12:52
